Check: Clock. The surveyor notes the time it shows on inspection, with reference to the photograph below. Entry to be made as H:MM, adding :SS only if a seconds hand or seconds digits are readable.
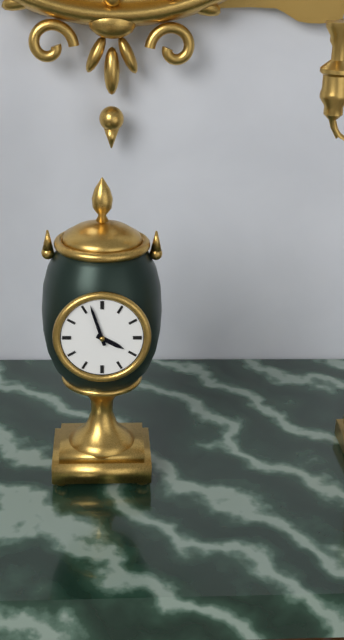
3:57
